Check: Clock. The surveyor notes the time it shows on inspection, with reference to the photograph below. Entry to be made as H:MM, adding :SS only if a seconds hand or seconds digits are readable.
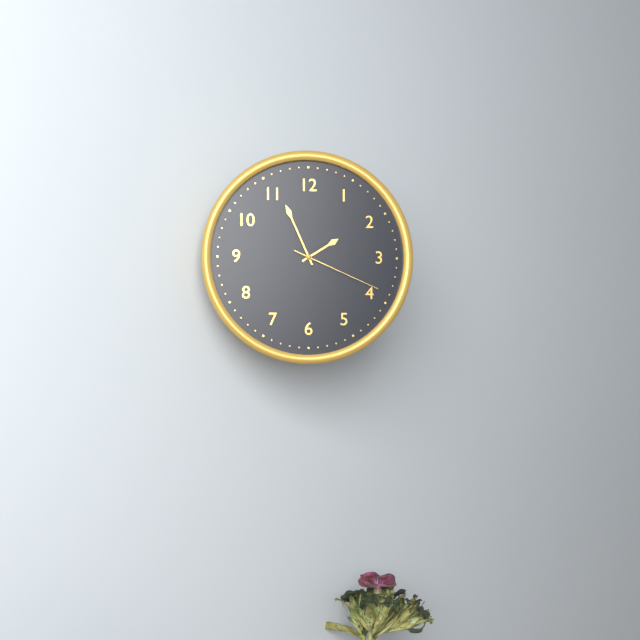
1:56:19
